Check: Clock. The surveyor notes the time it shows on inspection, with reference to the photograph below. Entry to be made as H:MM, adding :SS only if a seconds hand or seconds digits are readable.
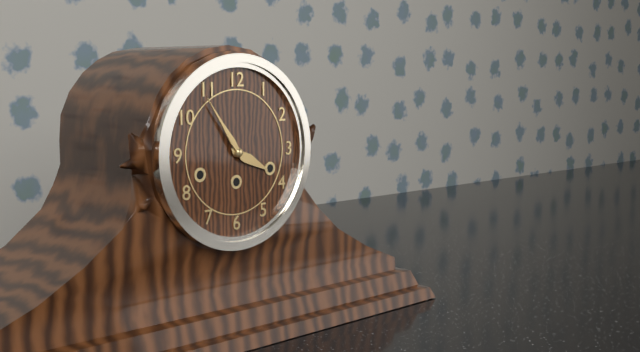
3:54
